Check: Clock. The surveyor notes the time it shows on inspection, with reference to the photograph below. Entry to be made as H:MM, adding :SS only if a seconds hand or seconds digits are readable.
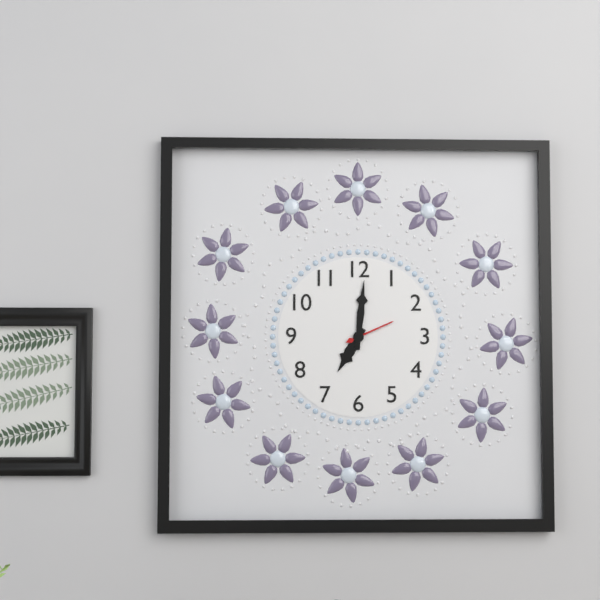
7:01
